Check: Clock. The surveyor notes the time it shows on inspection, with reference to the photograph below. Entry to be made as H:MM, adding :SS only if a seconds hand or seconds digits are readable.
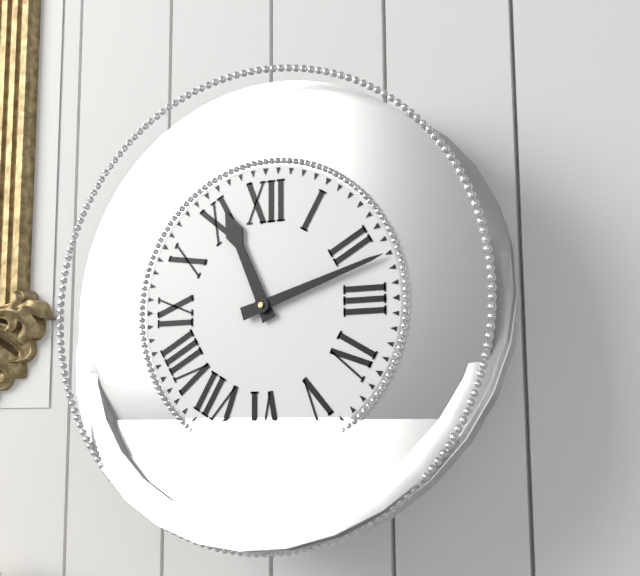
11:12
